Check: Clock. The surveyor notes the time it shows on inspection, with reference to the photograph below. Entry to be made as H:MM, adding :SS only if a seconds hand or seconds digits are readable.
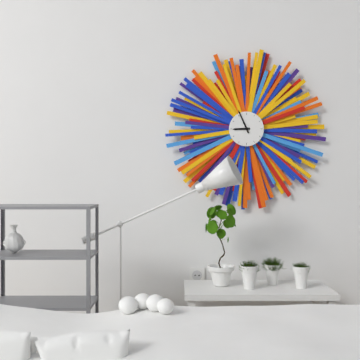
8:56
